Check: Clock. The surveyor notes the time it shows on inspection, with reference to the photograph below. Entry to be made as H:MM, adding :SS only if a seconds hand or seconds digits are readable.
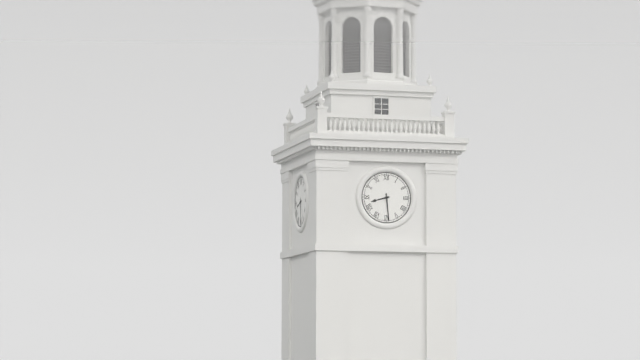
8:29
